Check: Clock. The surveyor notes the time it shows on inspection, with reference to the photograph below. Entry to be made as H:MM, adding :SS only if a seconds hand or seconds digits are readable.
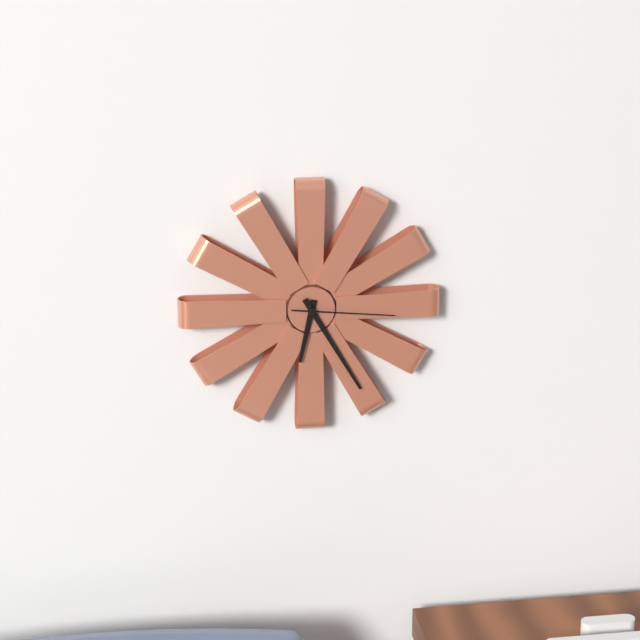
6:25:16
